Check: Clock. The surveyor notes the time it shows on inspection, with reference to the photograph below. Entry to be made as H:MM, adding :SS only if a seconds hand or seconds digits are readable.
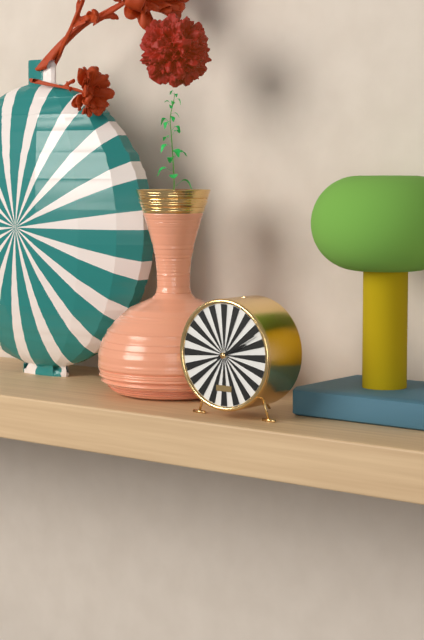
2:10
